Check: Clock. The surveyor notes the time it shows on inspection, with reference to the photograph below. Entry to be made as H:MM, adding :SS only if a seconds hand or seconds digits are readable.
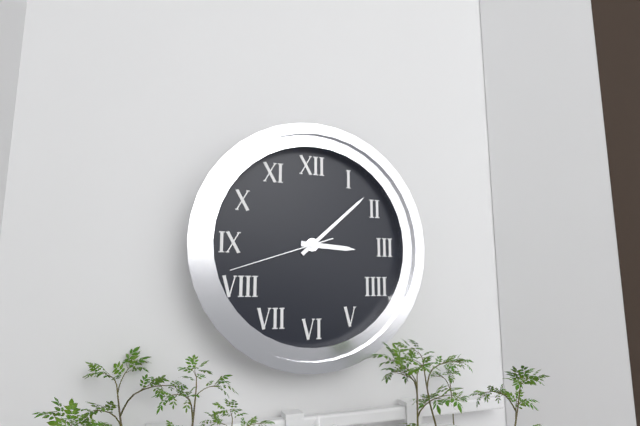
3:08:42
